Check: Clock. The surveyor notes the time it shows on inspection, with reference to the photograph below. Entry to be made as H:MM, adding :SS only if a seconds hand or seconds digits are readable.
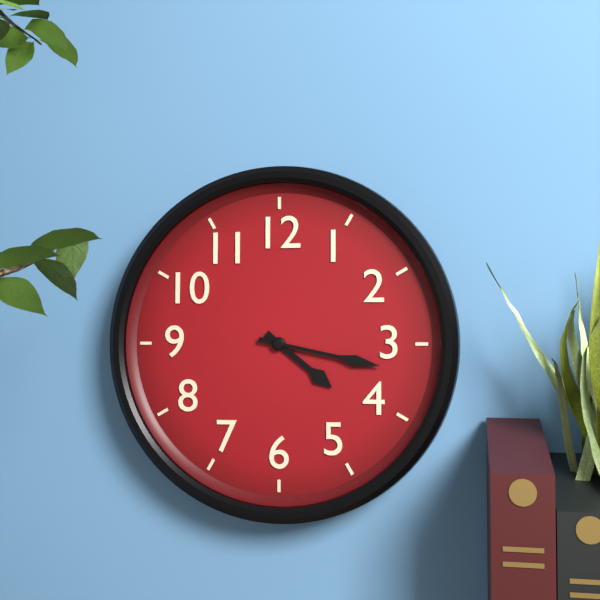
4:17
